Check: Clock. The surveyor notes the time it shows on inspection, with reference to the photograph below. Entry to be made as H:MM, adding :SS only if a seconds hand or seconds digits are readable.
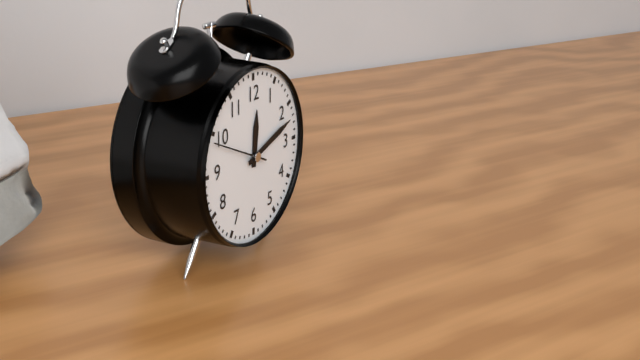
12:12:49
